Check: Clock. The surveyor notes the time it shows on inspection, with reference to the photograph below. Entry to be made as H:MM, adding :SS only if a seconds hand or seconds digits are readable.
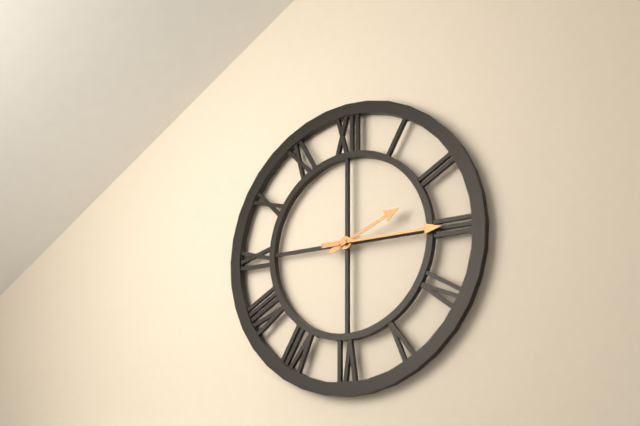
2:15
